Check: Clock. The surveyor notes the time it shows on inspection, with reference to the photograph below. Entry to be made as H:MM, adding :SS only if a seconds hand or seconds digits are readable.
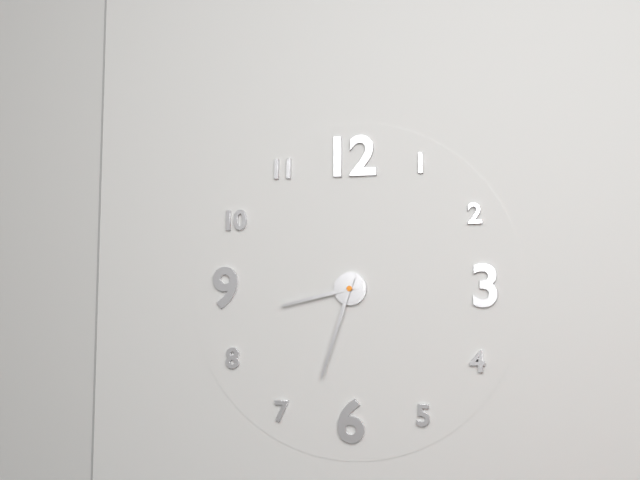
8:33
